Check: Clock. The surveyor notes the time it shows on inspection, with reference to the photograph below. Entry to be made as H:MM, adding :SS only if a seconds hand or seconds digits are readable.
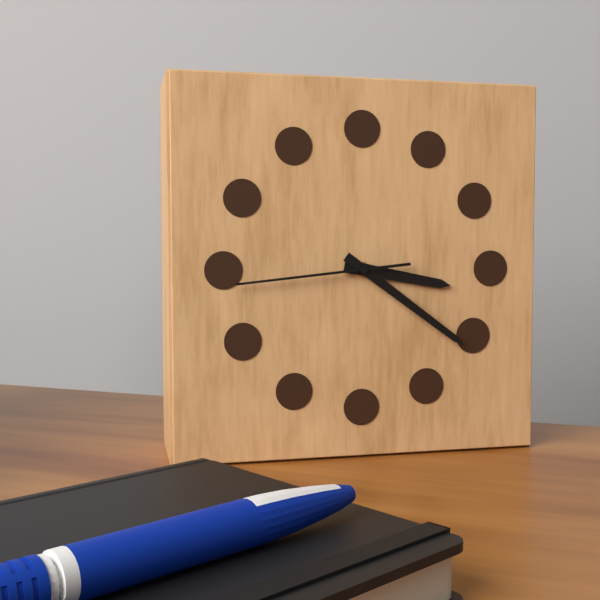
3:21:44
